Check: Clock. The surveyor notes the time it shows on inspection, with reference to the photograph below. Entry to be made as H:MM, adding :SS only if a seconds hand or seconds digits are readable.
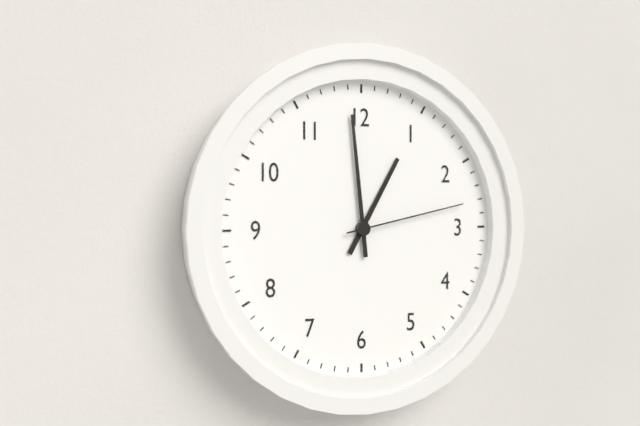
12:59:13
